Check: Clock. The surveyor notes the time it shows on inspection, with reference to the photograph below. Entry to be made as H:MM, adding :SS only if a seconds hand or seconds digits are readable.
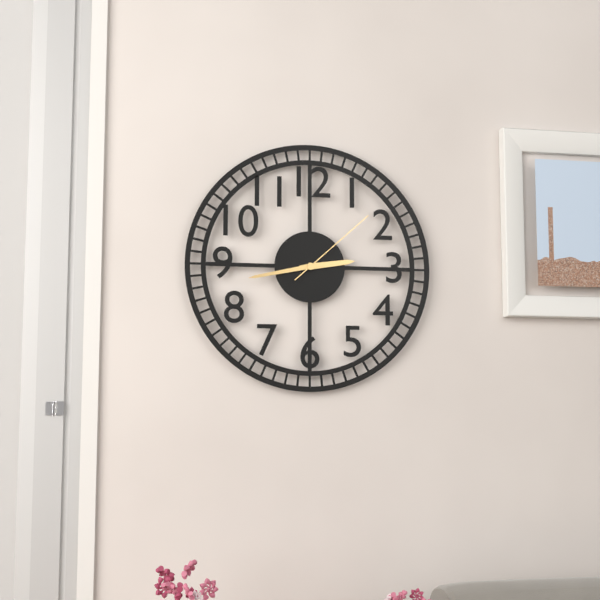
2:43:08
